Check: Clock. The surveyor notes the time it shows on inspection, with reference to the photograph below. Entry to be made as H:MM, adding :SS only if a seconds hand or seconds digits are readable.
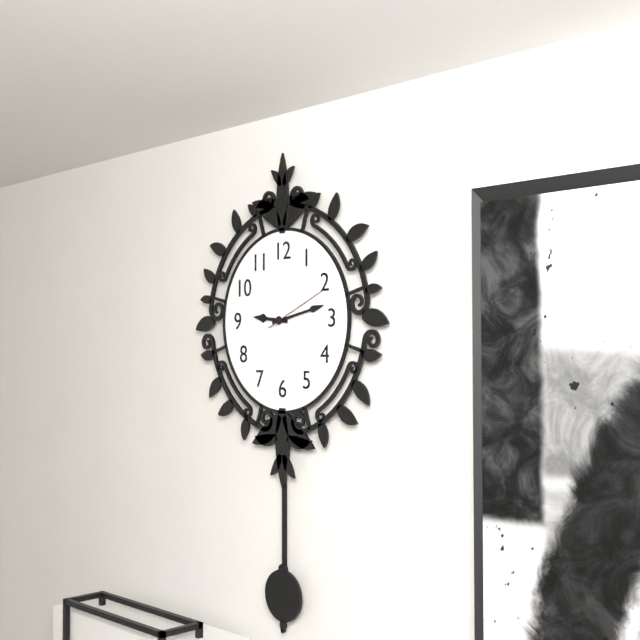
9:13:11
